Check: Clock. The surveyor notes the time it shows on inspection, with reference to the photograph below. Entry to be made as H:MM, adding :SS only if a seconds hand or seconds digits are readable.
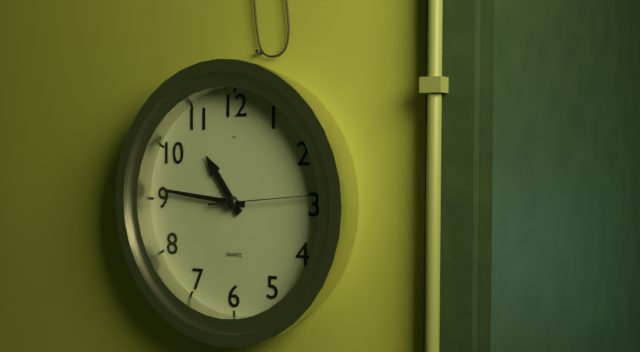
10:46:14
